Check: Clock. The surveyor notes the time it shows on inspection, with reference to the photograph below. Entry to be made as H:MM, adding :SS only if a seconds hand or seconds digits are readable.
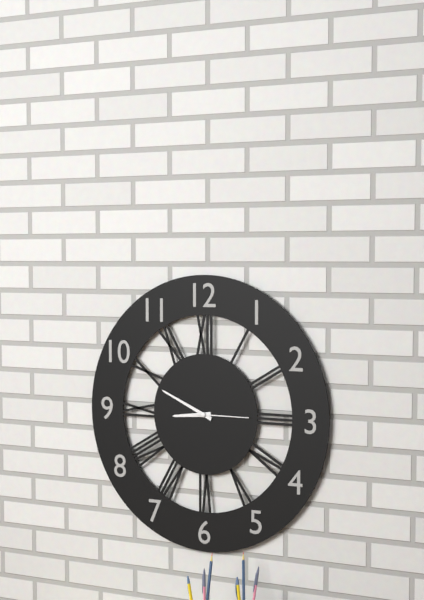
8:49:15
